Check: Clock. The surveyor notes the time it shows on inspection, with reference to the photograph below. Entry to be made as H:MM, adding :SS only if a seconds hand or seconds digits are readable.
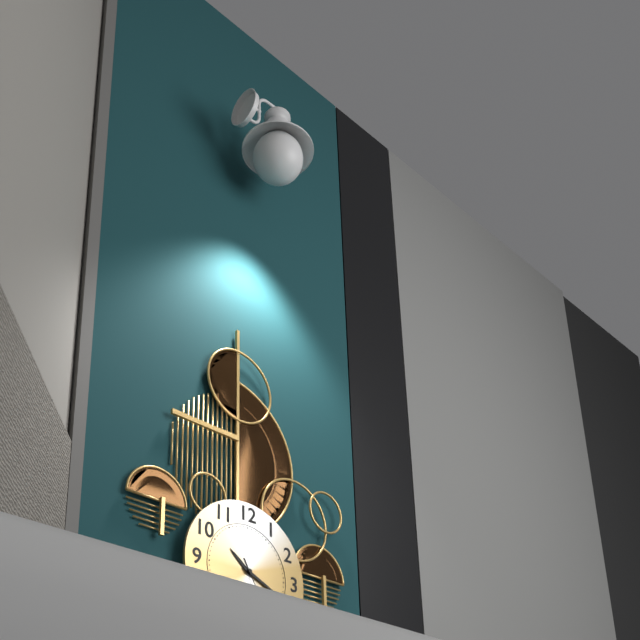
10:19
